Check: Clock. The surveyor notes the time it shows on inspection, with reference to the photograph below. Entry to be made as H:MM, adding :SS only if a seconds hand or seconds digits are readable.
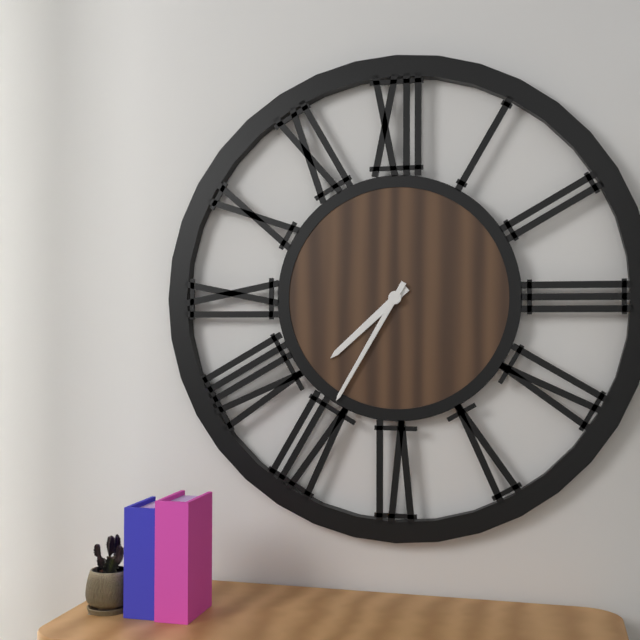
7:35
